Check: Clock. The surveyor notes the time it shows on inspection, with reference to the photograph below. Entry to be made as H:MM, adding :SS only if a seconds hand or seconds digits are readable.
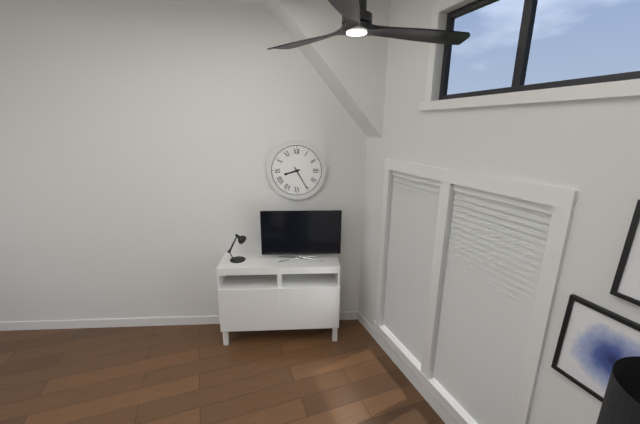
8:25
